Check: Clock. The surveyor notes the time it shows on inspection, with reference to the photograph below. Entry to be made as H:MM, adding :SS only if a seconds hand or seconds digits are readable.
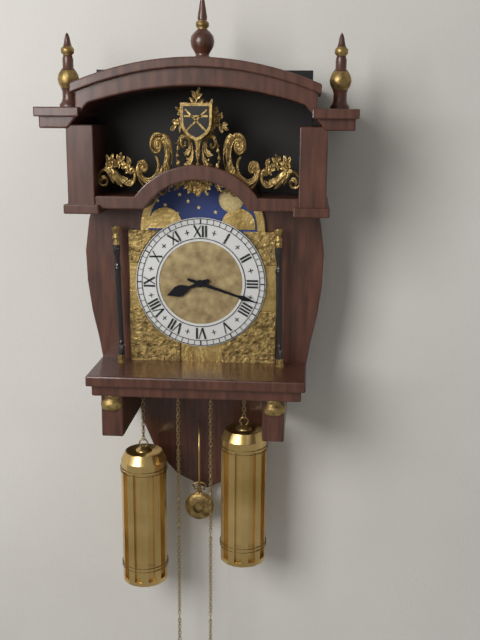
8:18
